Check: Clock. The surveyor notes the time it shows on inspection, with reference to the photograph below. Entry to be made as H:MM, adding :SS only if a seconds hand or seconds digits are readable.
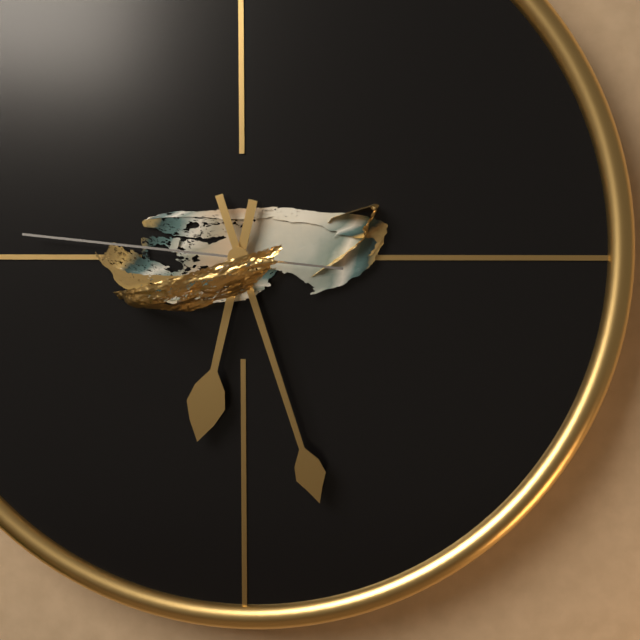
6:27:46
